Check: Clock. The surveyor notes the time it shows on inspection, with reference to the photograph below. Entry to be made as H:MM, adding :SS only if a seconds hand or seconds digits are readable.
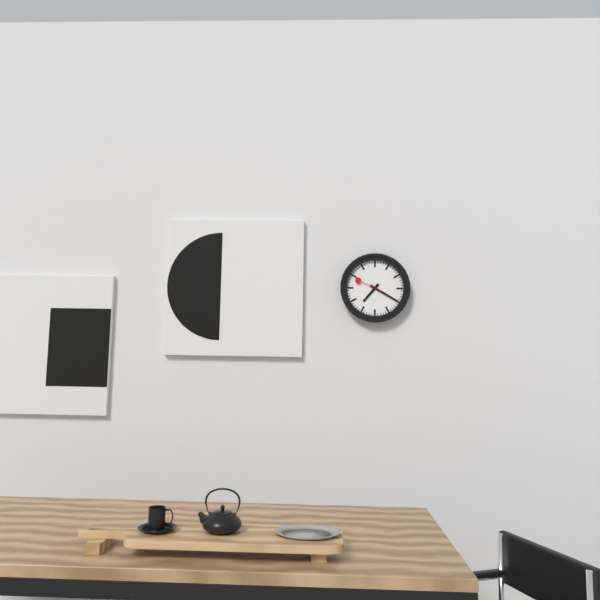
7:20
